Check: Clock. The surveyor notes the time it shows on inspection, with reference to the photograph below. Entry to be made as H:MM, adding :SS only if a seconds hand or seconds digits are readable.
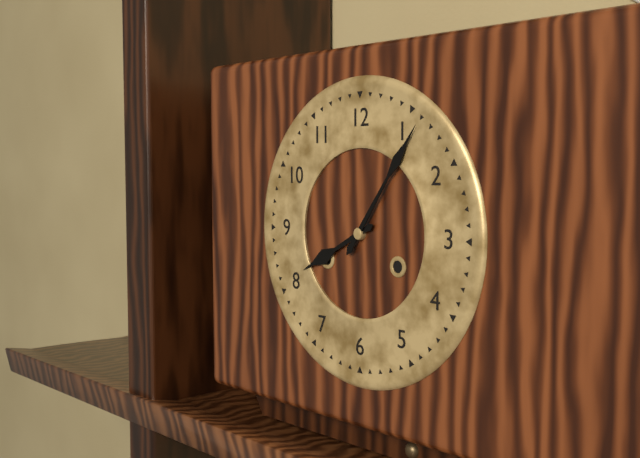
8:06
